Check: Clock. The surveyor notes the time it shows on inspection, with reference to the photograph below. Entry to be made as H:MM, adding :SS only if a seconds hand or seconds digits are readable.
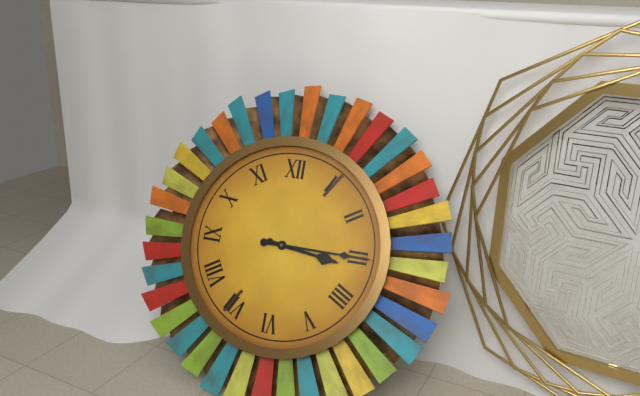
3:15
